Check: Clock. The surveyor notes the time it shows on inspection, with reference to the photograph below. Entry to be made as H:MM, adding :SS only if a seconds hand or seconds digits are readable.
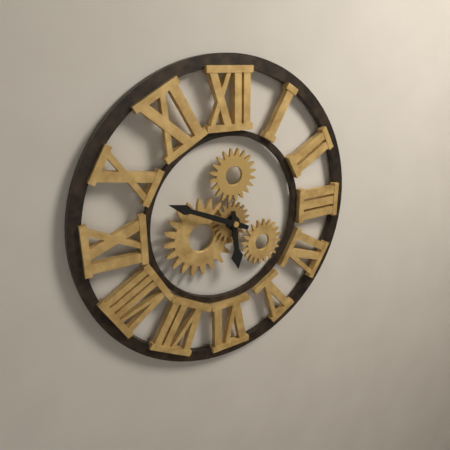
5:49
